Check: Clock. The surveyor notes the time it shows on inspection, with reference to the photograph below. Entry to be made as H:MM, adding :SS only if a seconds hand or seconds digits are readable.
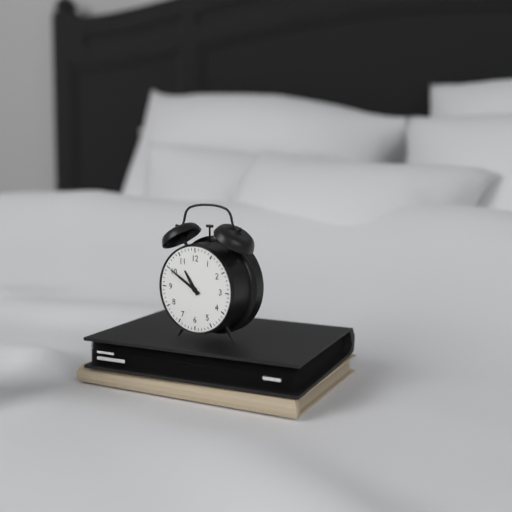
10:50
